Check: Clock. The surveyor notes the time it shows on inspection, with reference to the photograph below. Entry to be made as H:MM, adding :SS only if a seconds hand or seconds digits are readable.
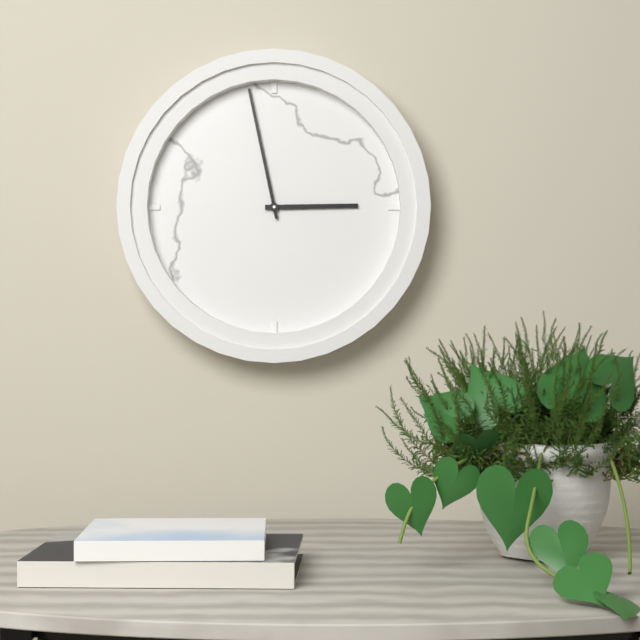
2:58
